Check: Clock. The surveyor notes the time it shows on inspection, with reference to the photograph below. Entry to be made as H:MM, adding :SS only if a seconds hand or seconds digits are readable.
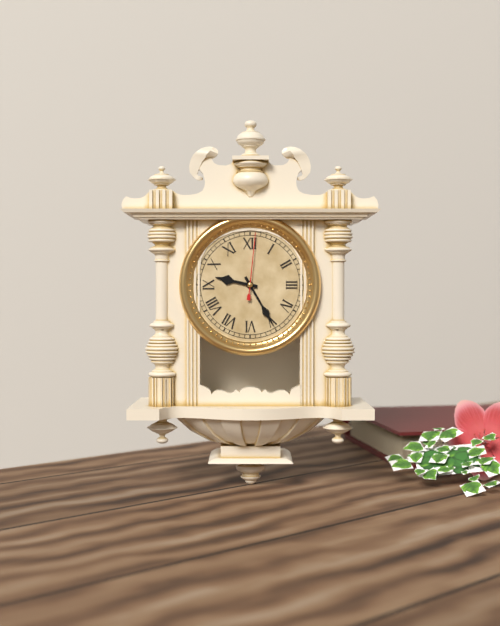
9:25:01
